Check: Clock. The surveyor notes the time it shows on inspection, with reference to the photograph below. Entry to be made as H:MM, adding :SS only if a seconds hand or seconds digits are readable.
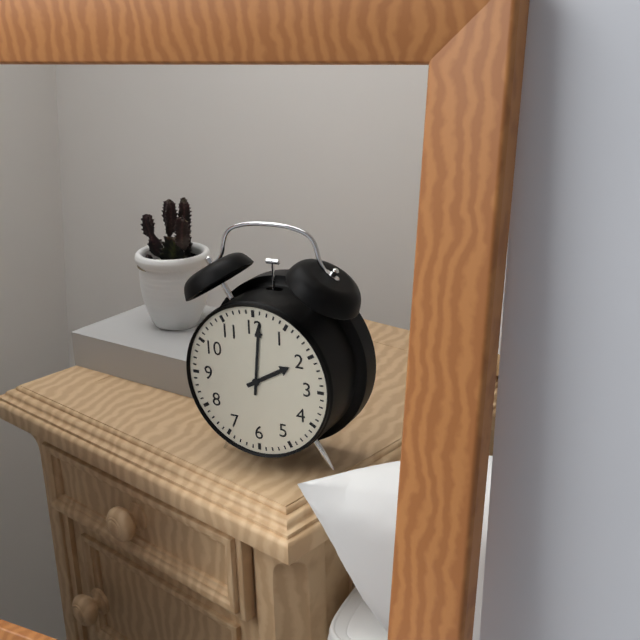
2:01
